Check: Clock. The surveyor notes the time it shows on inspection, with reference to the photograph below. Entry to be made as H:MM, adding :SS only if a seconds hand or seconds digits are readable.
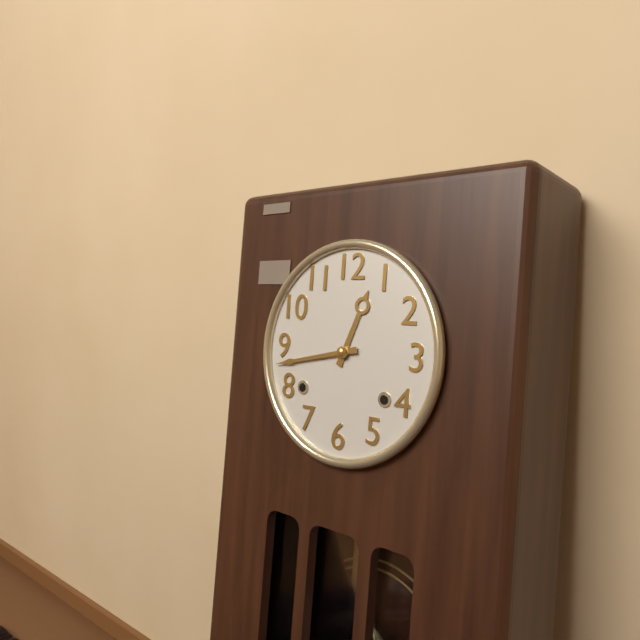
12:43
